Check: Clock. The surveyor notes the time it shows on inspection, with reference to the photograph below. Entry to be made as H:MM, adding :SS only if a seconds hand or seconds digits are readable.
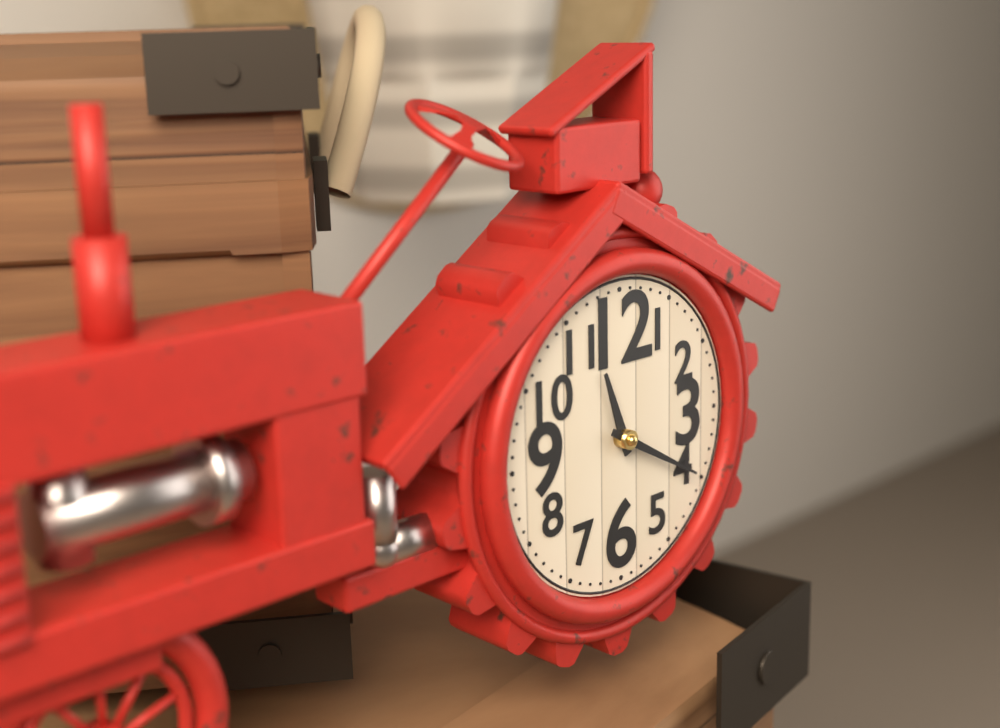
11:20
